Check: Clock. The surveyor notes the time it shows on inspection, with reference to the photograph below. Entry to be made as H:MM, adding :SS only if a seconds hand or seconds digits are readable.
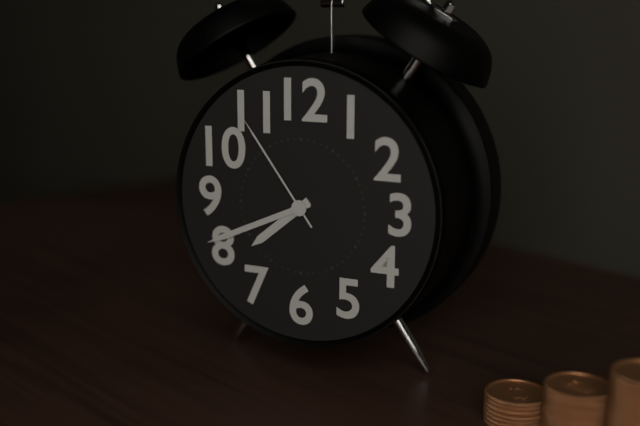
7:41:54
